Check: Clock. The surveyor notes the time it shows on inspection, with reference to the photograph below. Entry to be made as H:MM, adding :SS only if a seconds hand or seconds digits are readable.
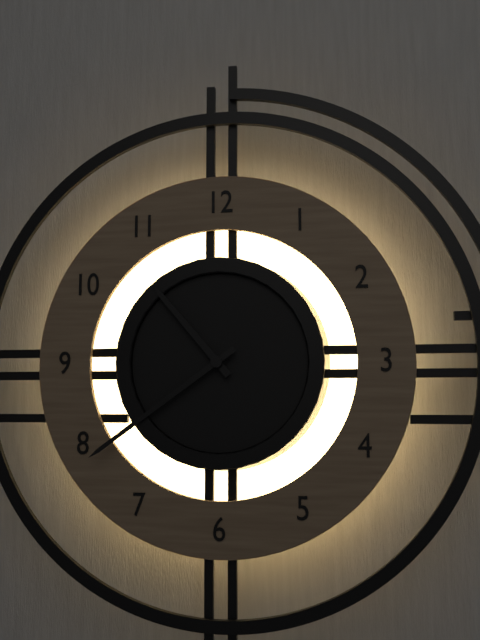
10:39
